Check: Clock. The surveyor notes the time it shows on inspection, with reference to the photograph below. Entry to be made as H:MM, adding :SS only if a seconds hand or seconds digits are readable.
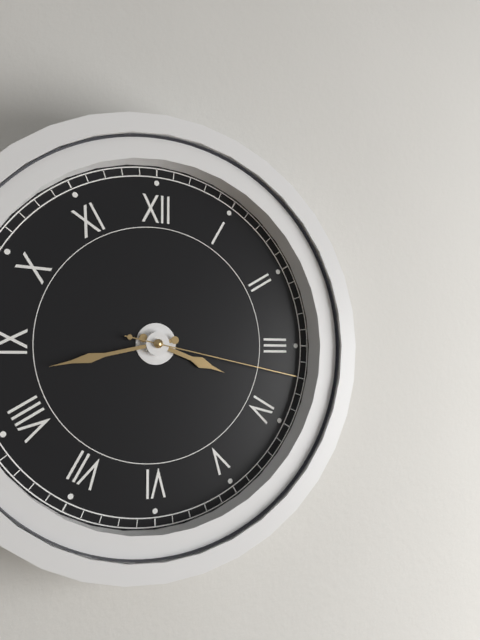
3:43:17
